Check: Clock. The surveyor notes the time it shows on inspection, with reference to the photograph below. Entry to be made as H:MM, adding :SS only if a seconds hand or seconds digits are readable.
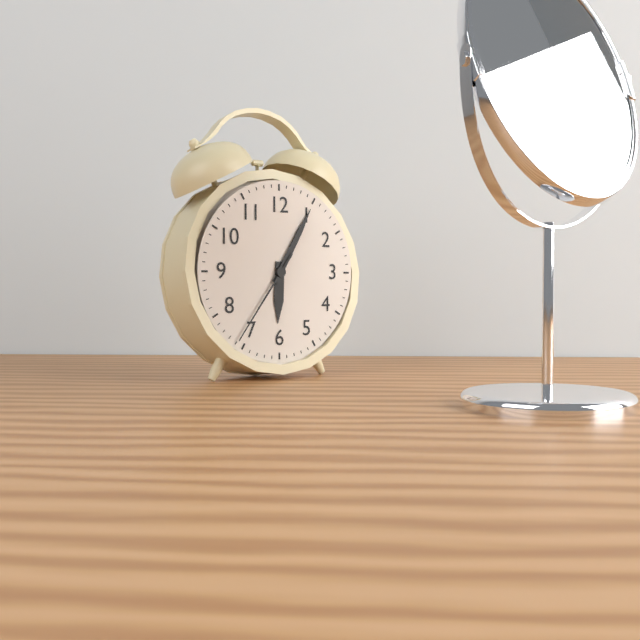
6:05:36
